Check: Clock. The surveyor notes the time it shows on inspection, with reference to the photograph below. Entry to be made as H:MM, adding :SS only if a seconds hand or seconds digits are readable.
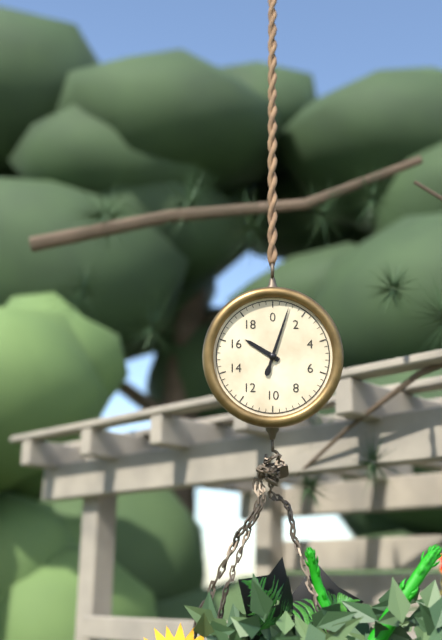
10:03
